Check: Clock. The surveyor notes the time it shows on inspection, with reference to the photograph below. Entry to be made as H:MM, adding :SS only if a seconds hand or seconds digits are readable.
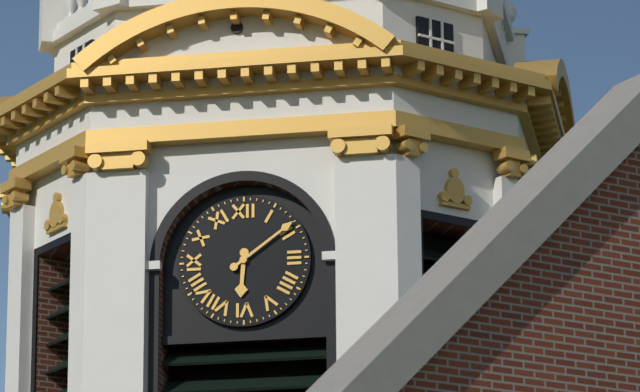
6:09
